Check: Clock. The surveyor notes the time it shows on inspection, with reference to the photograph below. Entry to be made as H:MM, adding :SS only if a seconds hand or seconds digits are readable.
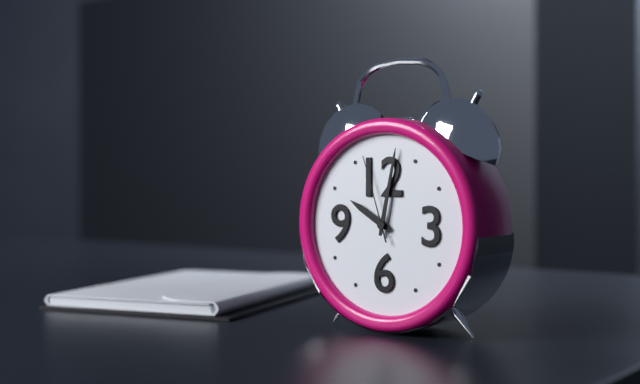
10:02:57
